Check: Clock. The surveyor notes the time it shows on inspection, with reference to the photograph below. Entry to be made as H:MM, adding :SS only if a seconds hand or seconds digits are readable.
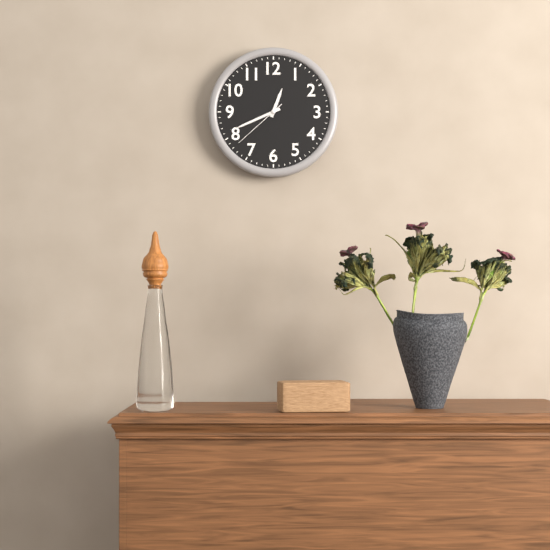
12:41:38
